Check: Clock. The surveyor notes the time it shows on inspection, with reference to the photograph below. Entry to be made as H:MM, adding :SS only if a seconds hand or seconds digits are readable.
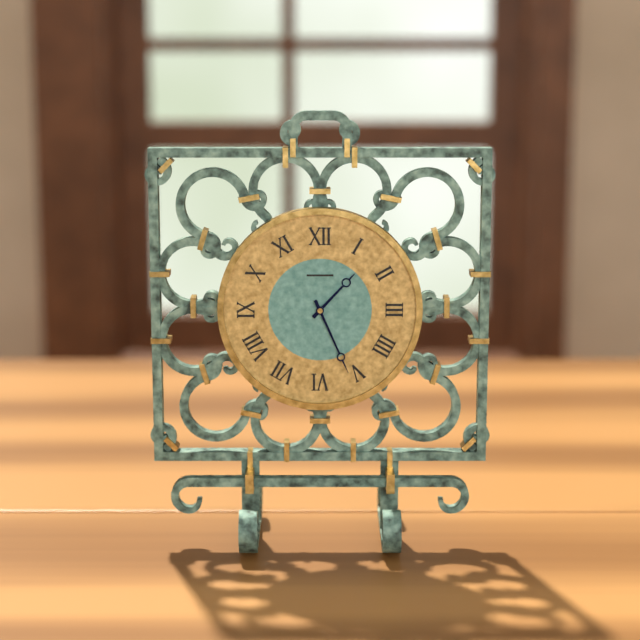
1:26
